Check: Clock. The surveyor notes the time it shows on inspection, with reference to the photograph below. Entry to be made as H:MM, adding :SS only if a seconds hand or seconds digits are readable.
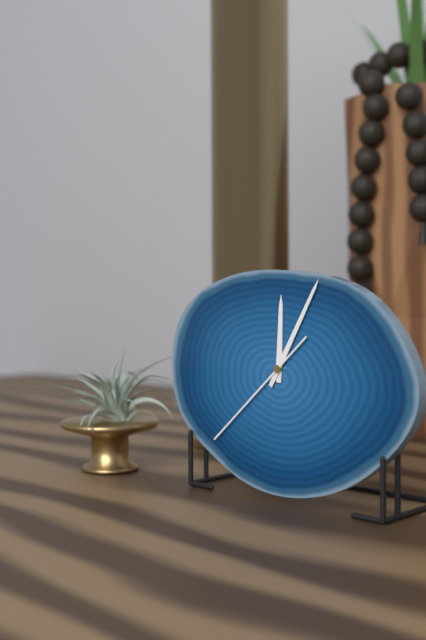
12:05:38
